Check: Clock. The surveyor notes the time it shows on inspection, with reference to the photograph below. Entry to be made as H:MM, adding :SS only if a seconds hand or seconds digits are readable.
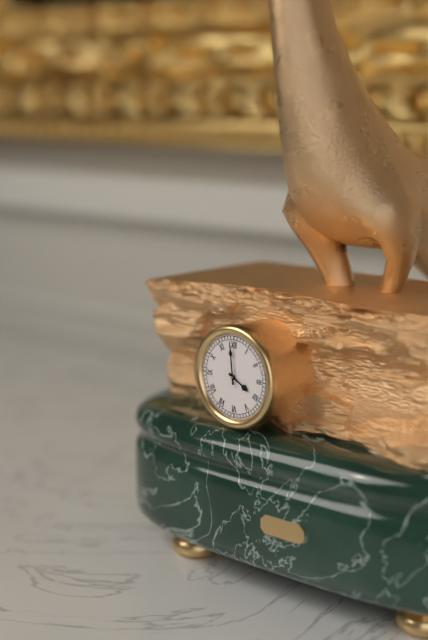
3:59
